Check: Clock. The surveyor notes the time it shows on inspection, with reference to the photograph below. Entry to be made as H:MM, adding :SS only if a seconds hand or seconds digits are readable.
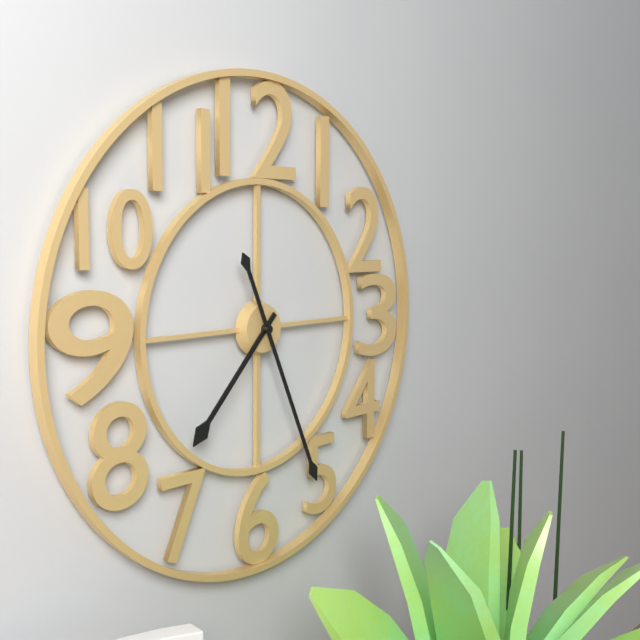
7:26
